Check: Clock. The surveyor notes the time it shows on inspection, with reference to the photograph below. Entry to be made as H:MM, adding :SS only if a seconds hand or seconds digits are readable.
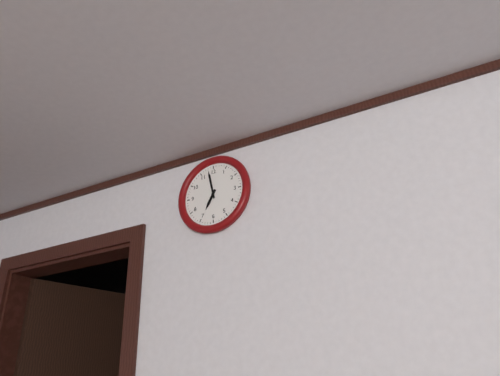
6:58
